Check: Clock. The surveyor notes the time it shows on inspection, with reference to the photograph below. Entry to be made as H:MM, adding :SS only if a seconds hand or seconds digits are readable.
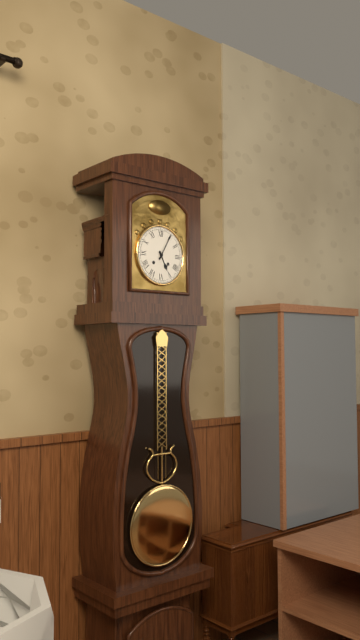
5:05
